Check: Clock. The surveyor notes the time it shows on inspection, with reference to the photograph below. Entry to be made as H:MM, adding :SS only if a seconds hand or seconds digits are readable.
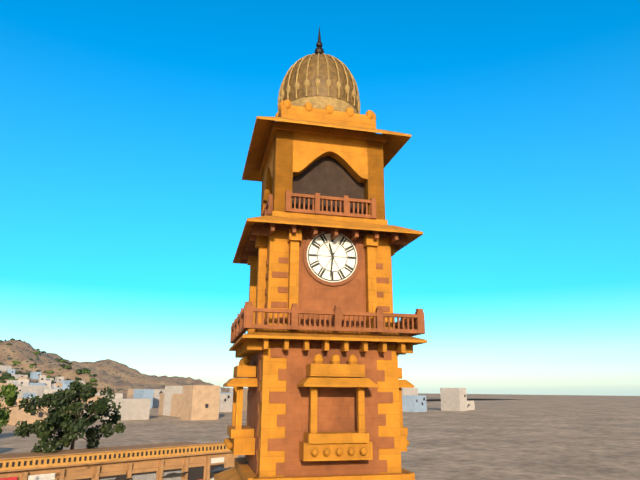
11:31
